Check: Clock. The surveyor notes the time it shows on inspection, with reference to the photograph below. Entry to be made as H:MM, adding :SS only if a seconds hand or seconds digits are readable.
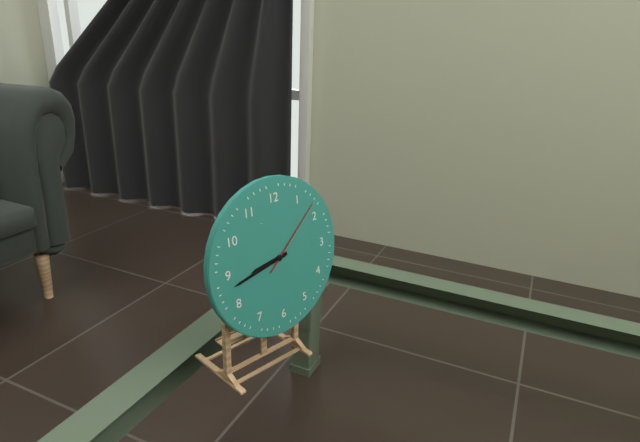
8:43:08
